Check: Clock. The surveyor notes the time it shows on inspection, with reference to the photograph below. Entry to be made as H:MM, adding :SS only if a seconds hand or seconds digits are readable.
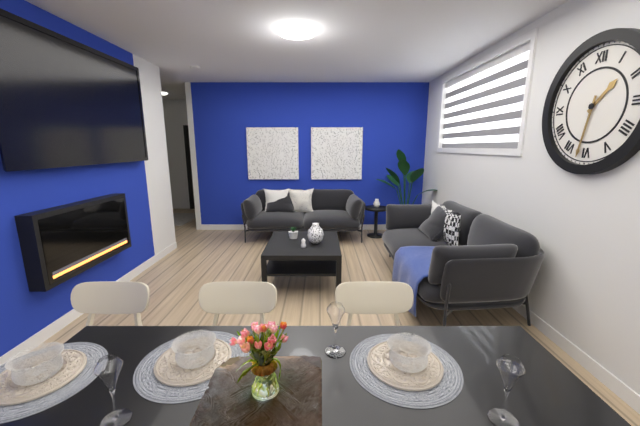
1:32
